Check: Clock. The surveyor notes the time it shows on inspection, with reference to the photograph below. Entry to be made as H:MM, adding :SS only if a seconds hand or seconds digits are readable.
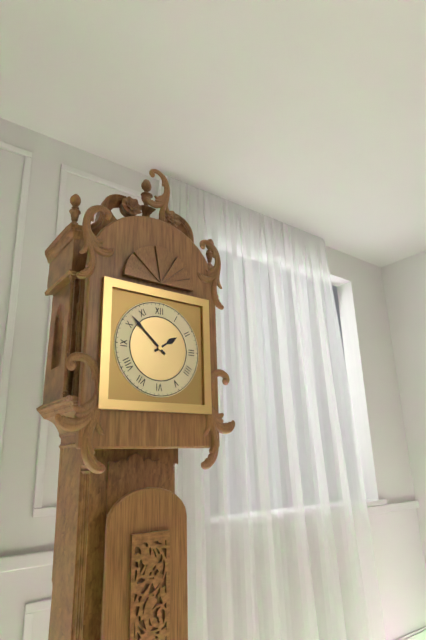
1:52
